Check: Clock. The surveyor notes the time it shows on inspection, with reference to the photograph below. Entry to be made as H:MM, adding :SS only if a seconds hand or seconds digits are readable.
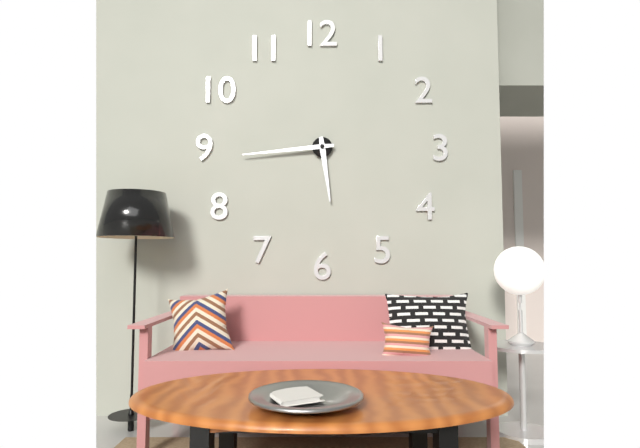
5:44
